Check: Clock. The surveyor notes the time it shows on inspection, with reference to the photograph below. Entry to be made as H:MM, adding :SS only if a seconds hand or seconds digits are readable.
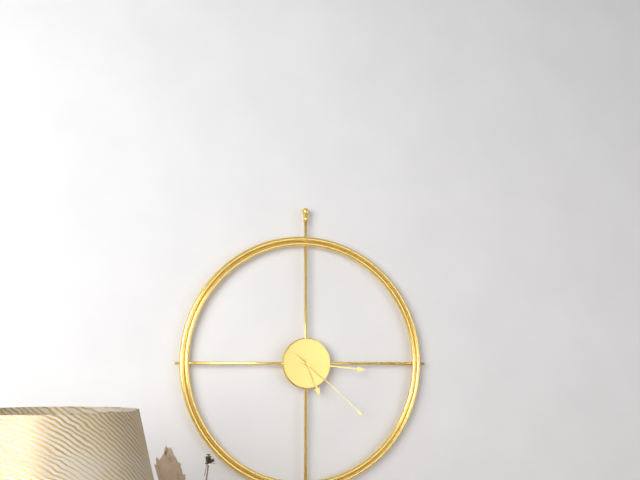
5:16:22
